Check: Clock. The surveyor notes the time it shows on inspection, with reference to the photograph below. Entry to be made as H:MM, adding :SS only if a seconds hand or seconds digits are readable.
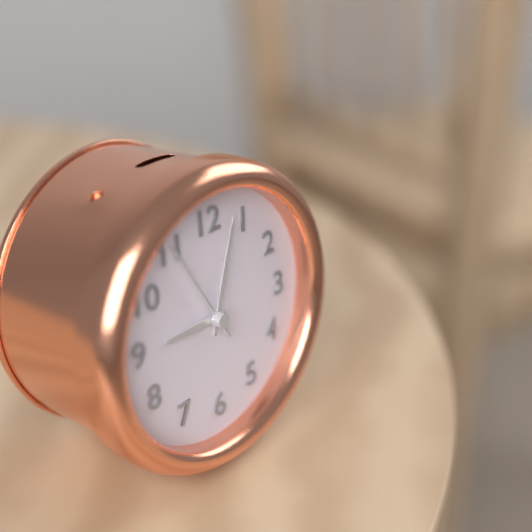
9:03:55
